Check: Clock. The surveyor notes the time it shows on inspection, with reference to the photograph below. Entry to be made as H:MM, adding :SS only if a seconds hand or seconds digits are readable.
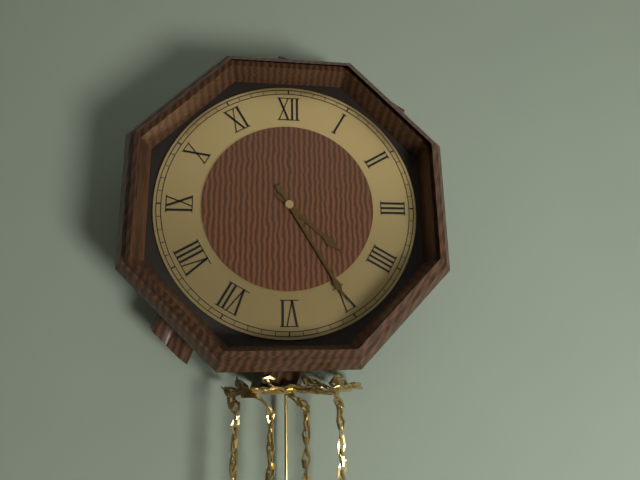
4:25
